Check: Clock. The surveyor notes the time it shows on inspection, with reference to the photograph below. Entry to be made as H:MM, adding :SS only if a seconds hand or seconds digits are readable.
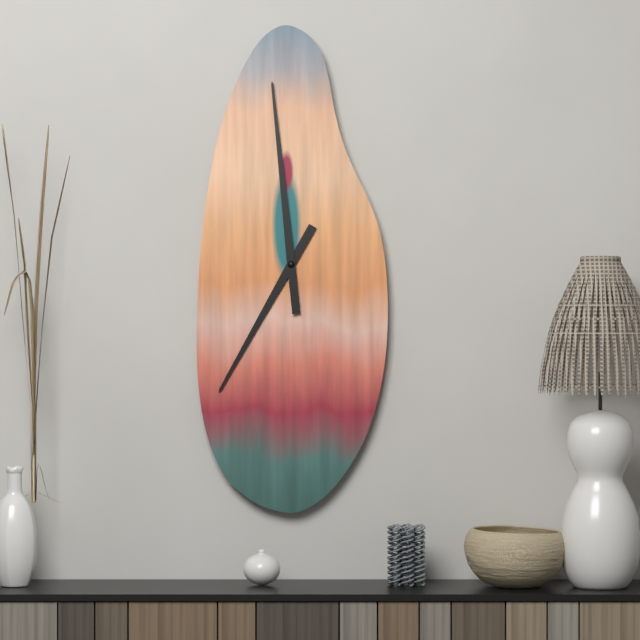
6:59
